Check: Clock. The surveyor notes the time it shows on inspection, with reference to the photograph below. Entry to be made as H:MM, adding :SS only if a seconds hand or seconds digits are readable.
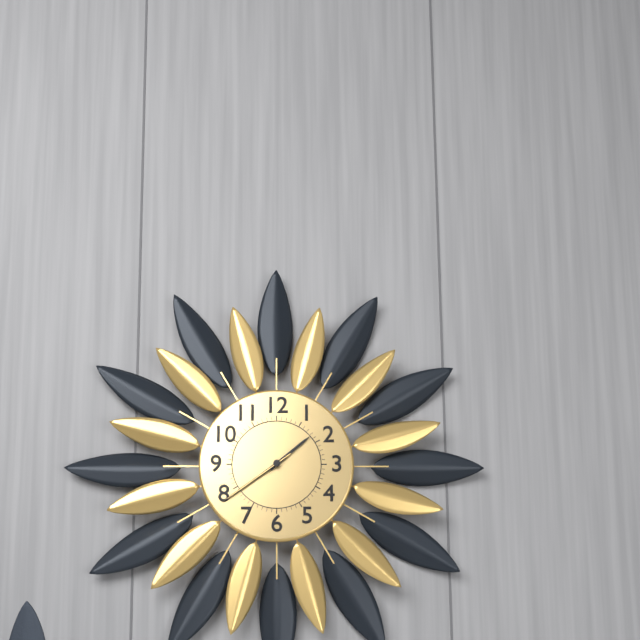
1:39:39
